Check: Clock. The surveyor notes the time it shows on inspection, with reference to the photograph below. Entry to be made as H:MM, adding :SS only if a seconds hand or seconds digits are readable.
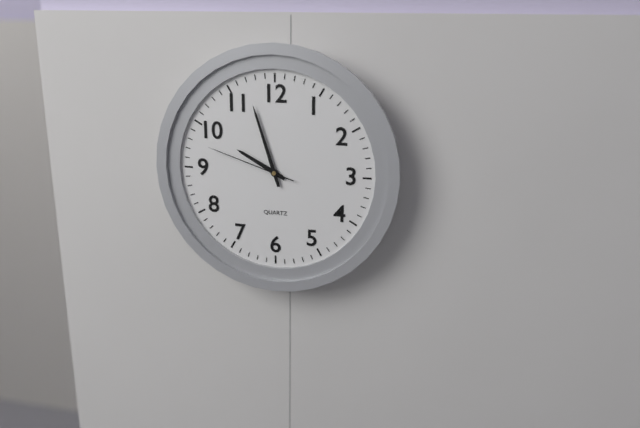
9:57:48
